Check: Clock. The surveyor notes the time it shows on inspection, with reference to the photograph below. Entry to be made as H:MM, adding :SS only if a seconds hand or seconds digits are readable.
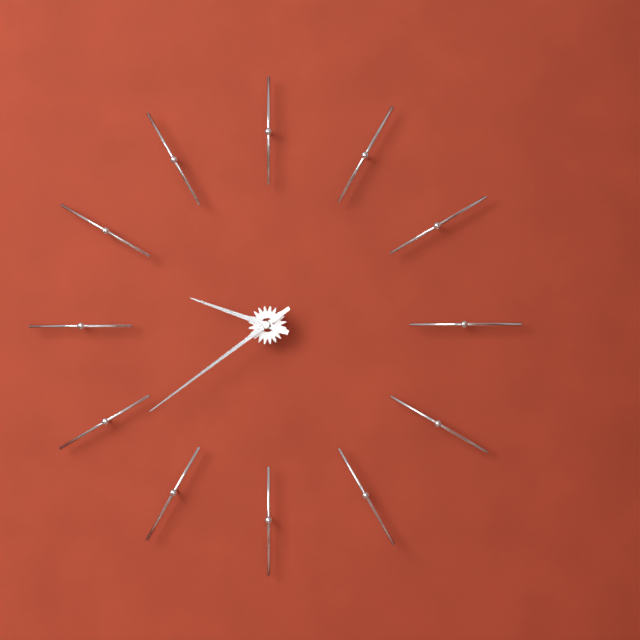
9:39
